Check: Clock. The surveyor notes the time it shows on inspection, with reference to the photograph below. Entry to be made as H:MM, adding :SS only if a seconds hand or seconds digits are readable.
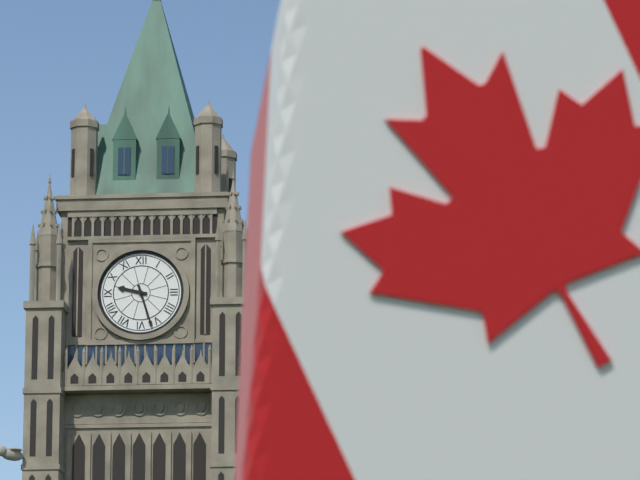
9:27
